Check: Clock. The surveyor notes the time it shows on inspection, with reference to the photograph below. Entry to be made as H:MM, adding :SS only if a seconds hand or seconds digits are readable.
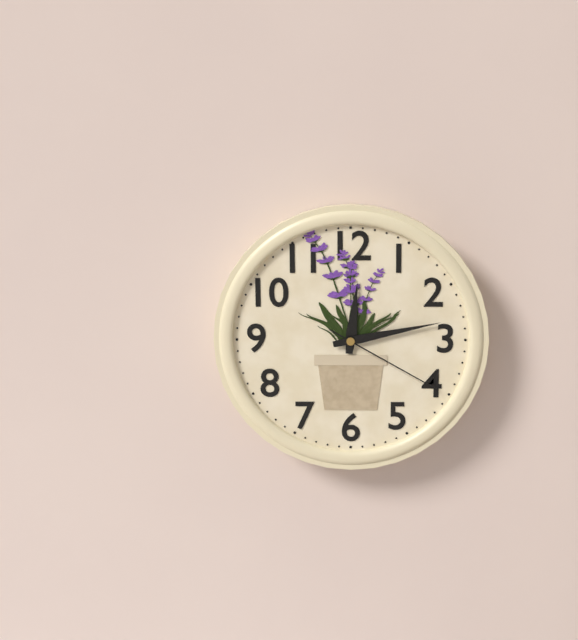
12:13:20
